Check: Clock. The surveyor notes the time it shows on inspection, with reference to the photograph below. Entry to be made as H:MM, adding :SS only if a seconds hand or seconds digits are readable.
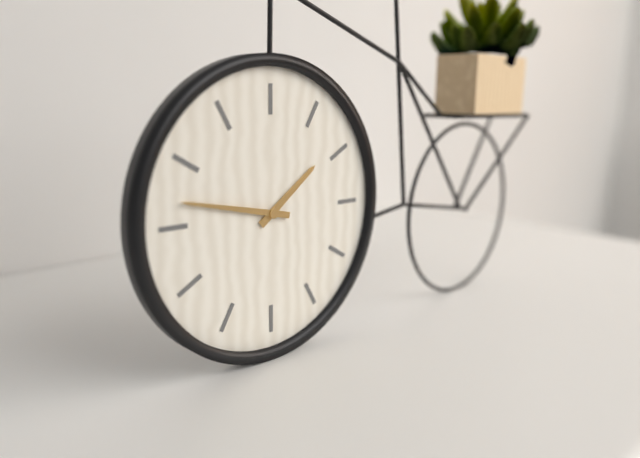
1:47
